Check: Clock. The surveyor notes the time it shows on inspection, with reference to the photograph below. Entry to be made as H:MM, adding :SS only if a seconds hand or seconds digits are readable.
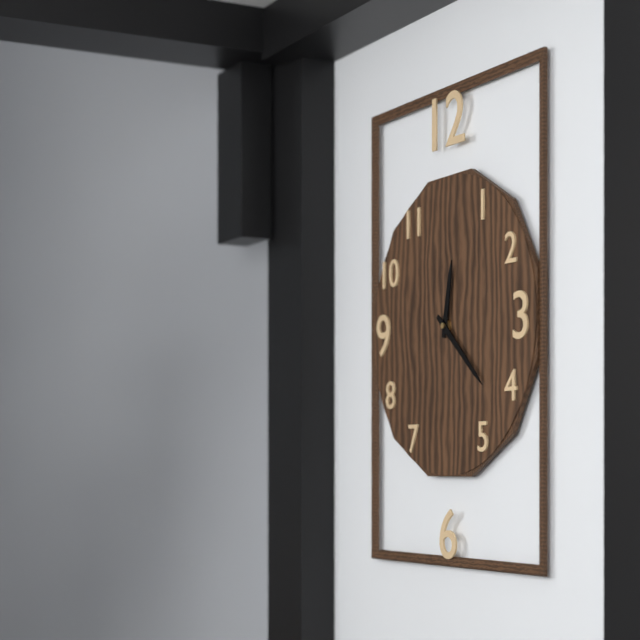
12:22
